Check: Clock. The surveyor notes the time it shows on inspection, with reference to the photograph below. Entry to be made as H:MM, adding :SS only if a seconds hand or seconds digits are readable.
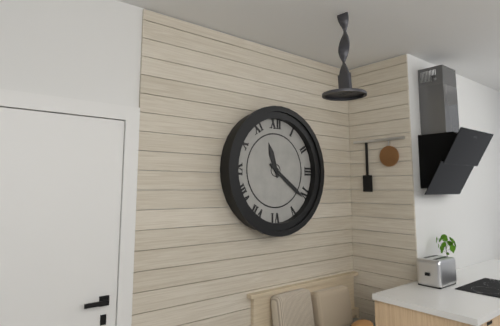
11:21
